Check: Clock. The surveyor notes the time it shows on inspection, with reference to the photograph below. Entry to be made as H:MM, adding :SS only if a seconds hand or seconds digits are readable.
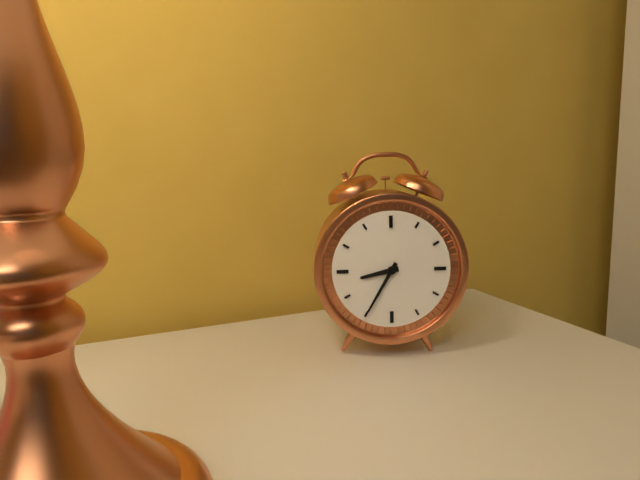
8:35
